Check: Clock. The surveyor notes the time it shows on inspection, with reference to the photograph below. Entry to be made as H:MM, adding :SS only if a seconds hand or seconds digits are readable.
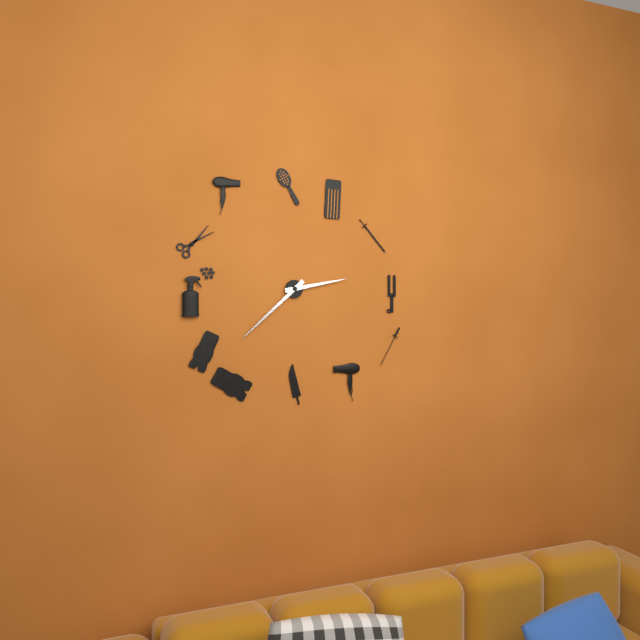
2:38
